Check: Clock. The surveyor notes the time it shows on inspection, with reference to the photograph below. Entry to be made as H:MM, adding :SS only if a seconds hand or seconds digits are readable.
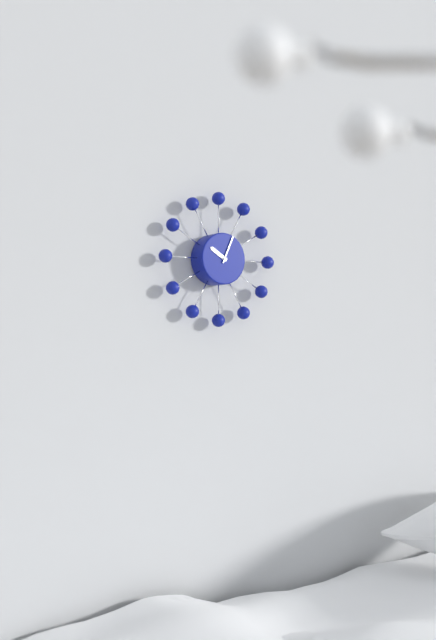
10:04
